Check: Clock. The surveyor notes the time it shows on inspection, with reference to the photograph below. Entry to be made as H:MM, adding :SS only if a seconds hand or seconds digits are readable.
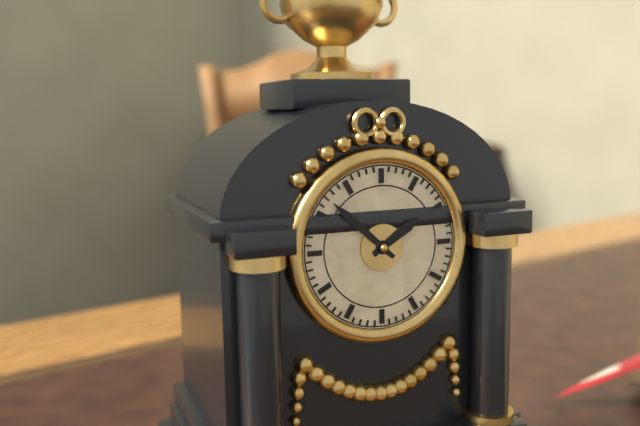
1:52
